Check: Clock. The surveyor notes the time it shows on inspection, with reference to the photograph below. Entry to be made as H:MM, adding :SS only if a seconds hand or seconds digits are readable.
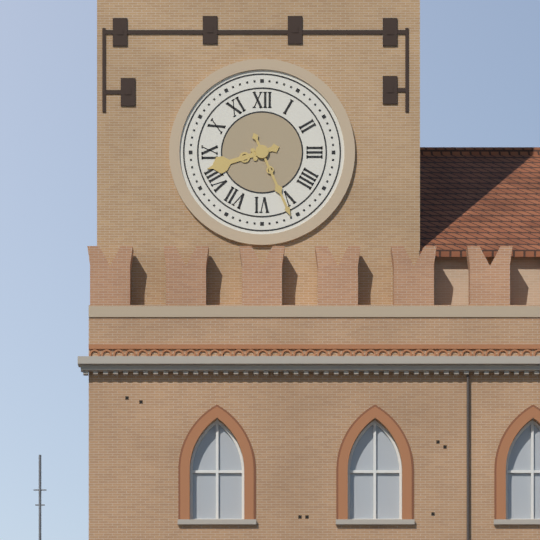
8:26
